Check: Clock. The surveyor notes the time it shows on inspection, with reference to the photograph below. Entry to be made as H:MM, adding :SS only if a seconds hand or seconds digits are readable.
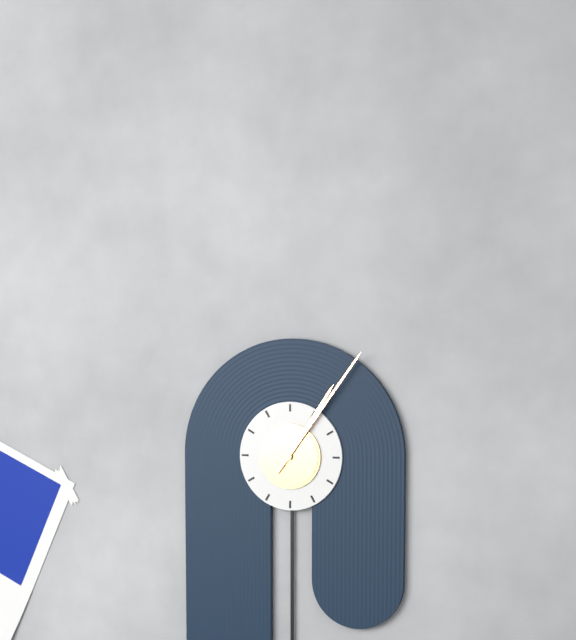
1:06
